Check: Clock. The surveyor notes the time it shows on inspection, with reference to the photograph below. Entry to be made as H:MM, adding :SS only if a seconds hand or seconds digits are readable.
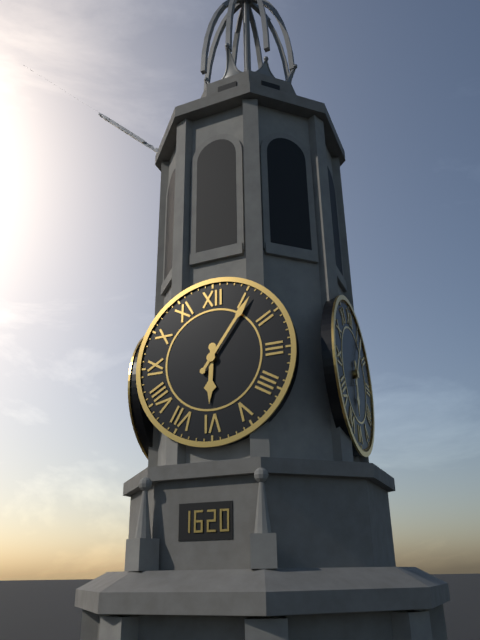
6:06
